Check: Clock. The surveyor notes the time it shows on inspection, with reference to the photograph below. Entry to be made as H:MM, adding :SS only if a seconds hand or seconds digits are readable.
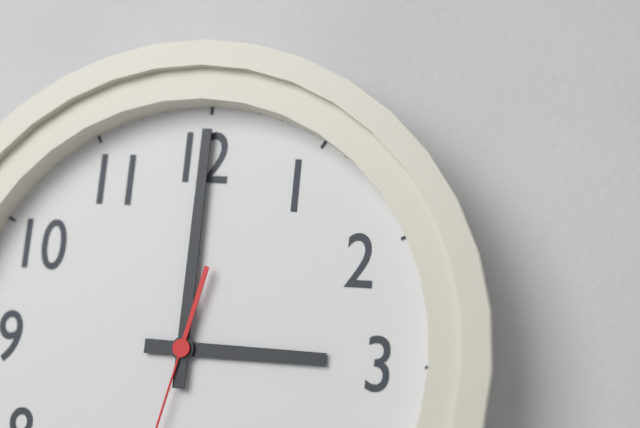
3:00
